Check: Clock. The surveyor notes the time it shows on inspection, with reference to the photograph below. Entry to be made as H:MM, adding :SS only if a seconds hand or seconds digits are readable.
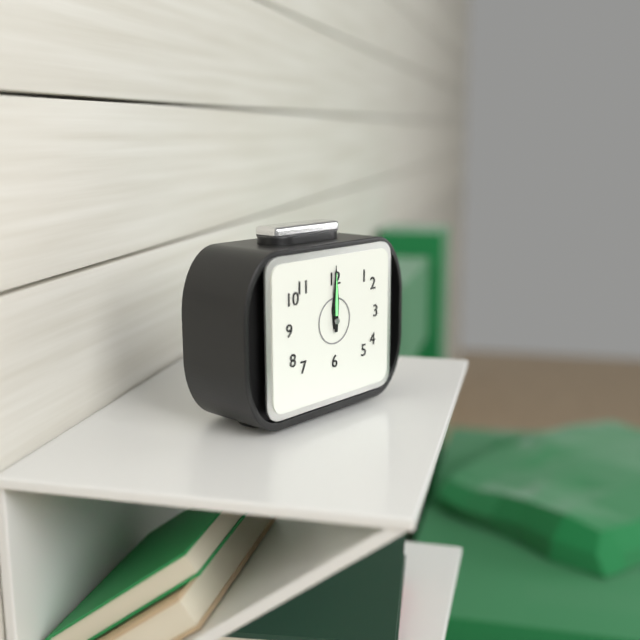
12:00
